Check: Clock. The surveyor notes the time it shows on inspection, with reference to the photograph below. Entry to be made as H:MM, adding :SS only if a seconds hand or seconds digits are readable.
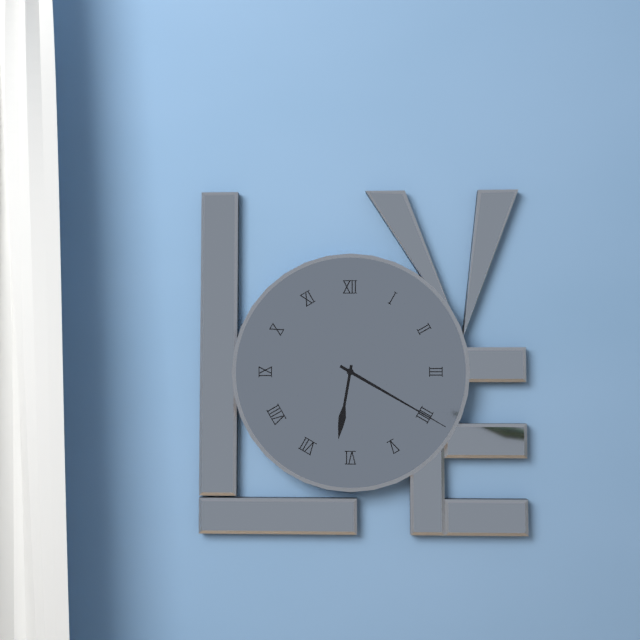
6:20
